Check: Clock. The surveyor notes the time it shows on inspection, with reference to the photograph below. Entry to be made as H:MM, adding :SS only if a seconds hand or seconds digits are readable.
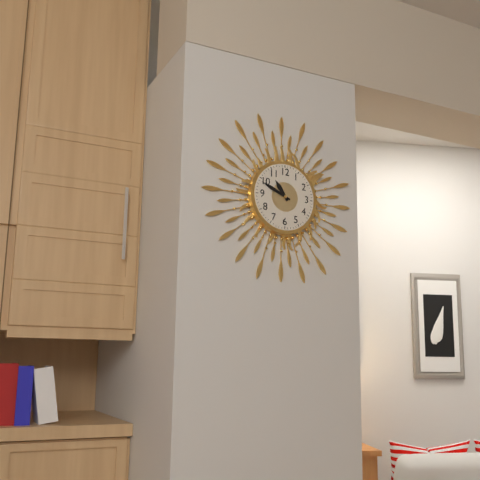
10:49
